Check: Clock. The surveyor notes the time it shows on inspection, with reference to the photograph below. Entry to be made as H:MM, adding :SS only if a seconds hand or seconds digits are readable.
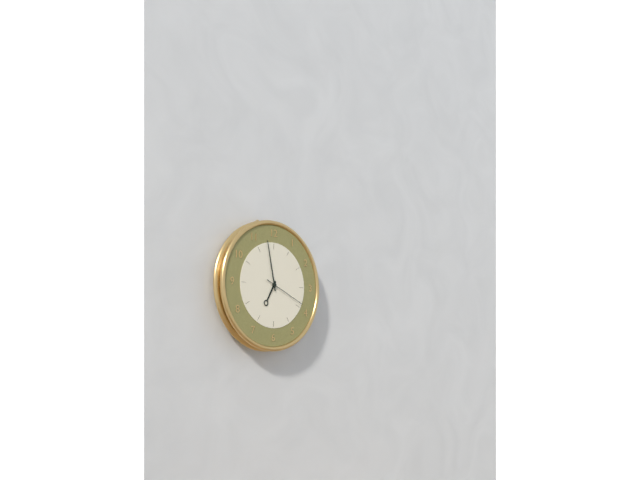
6:58
